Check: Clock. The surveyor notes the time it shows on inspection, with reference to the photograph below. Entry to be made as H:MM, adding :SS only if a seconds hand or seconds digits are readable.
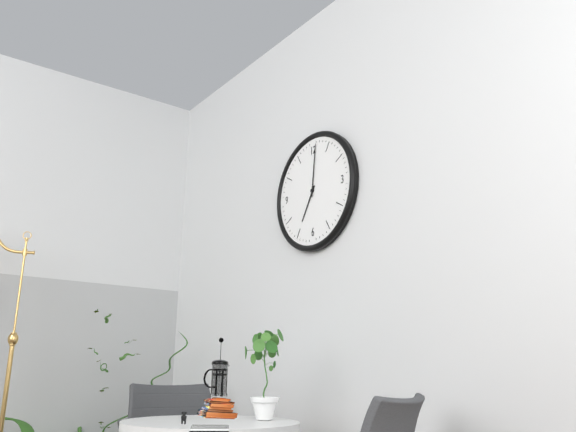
7:01
